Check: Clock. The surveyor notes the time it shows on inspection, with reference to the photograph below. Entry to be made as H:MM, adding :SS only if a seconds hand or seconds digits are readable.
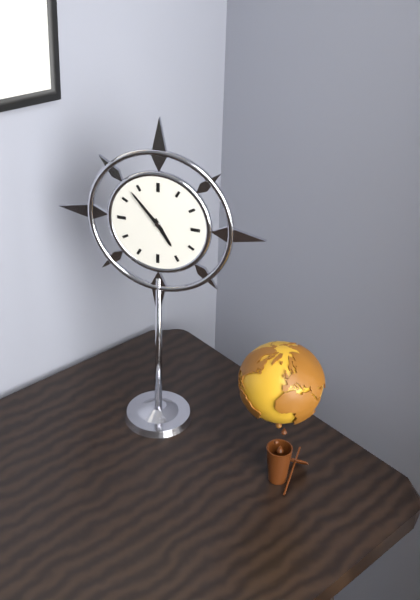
4:53
